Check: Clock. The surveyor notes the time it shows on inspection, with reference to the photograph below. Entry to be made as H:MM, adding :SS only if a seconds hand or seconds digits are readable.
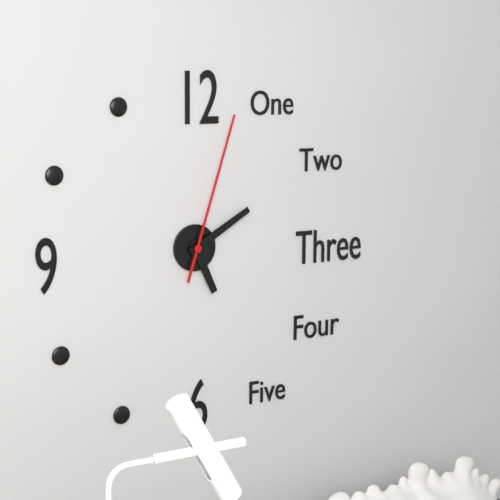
5:10:03
